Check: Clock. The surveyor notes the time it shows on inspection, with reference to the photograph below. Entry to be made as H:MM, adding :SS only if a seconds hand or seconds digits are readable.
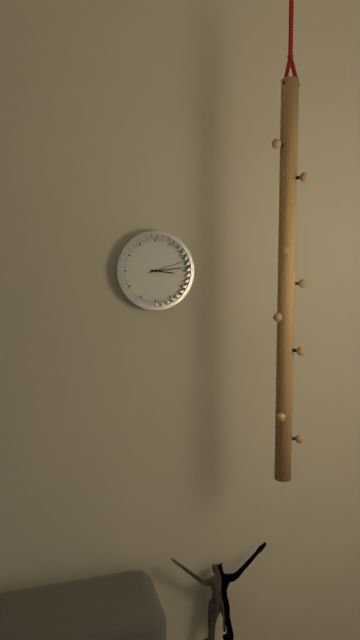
3:14
